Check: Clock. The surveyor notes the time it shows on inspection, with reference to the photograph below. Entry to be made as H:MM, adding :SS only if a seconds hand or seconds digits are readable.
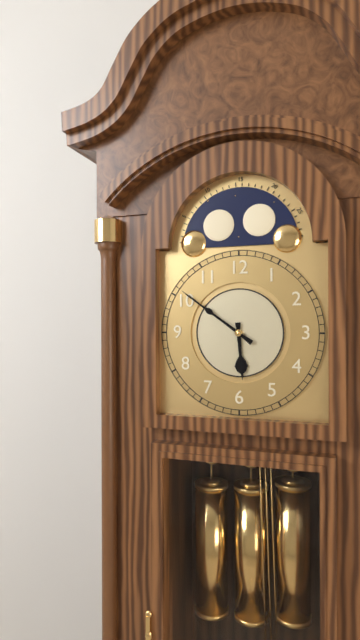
5:51
